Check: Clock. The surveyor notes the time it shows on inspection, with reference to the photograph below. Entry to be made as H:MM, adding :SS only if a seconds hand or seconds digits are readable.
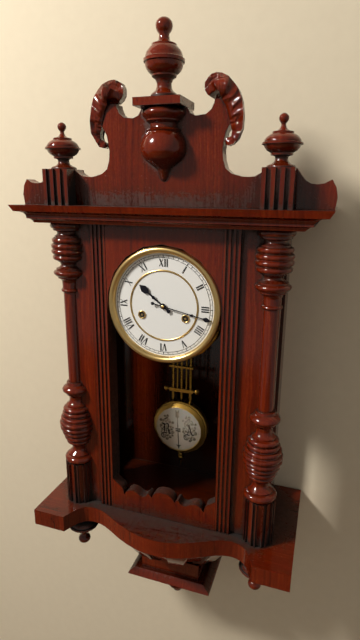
10:17
